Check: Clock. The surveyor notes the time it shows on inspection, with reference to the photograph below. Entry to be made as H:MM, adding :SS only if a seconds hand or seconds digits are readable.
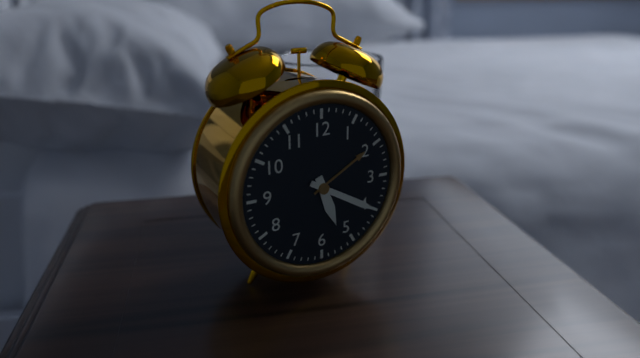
5:20
